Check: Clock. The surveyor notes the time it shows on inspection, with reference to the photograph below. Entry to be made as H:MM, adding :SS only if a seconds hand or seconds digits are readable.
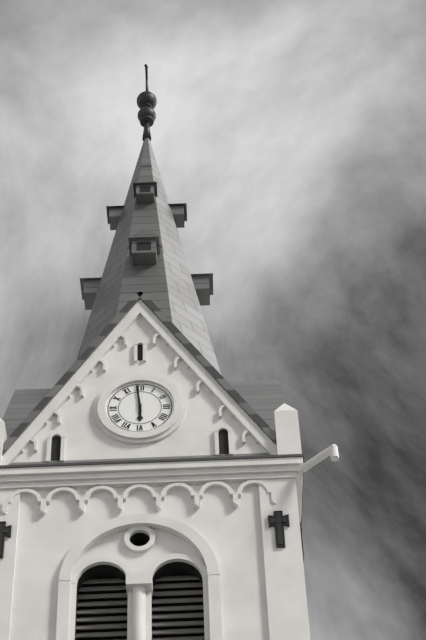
5:59
